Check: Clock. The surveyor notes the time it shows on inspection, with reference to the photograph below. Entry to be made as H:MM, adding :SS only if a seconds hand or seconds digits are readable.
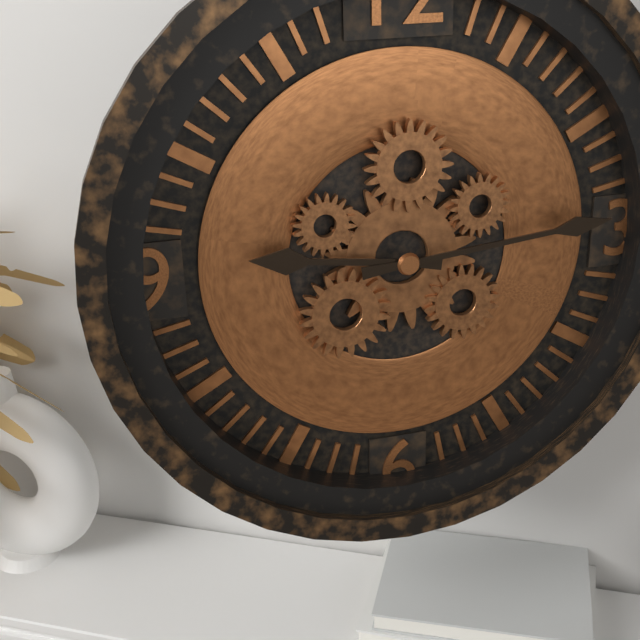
9:14
